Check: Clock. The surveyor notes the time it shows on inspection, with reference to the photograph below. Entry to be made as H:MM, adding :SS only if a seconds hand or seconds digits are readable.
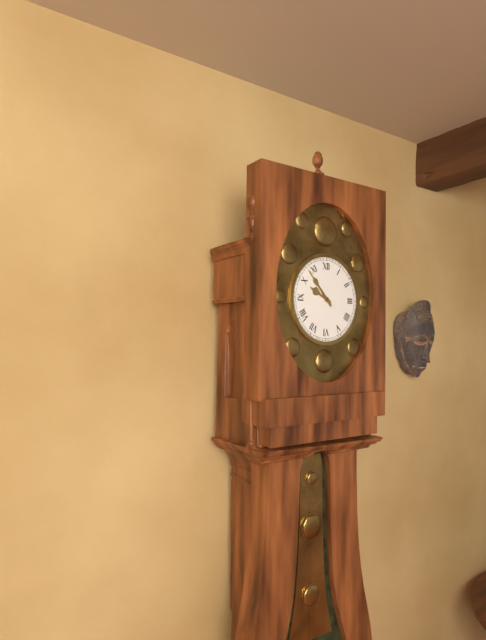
9:53
